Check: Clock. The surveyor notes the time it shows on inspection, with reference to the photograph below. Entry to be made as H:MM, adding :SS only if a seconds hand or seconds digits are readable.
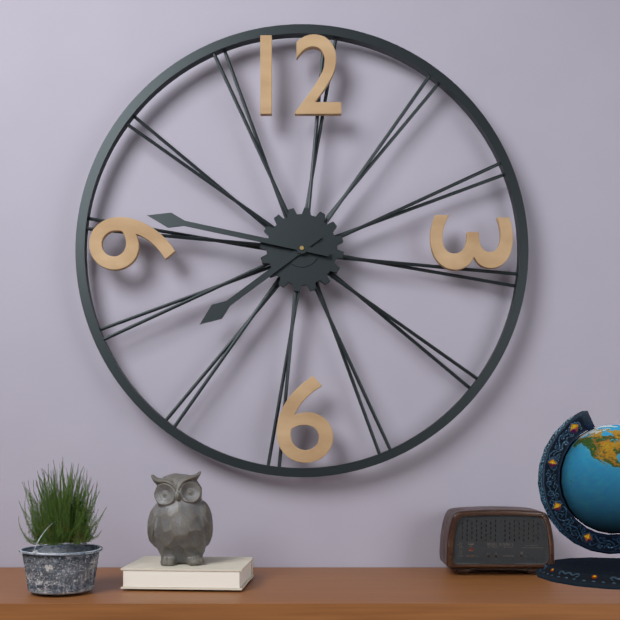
7:47
